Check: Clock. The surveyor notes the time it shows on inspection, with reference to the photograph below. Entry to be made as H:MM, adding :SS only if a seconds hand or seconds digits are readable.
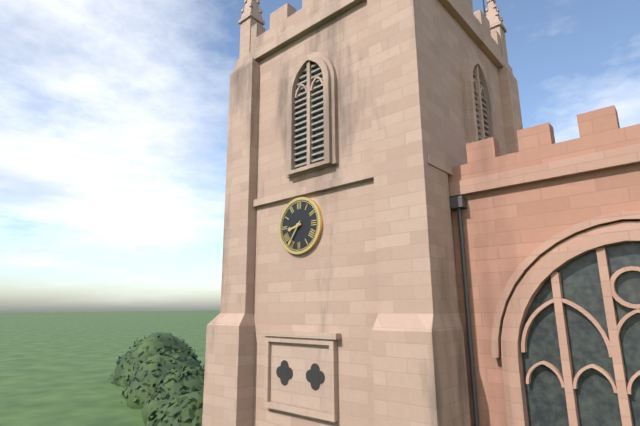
8:36
